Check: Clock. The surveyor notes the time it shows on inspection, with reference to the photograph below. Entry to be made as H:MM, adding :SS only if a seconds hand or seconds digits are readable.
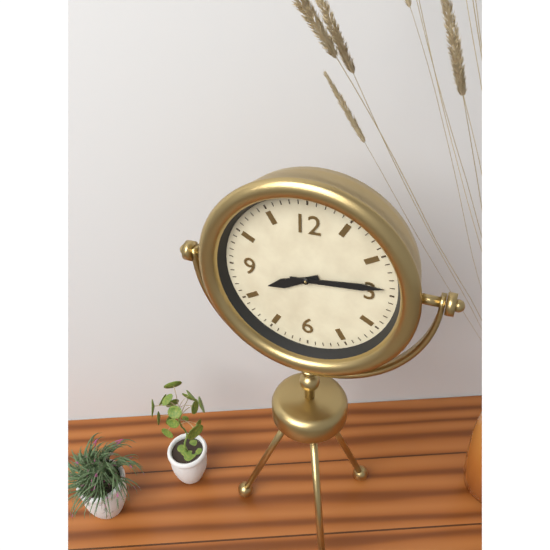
8:14
